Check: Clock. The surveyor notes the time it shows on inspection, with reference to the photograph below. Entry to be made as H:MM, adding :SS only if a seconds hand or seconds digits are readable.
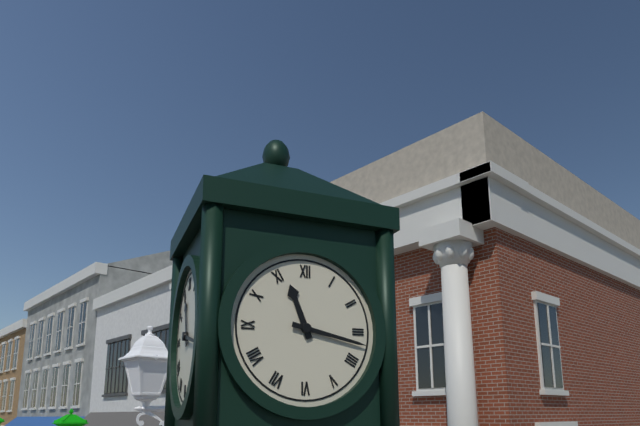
11:17
